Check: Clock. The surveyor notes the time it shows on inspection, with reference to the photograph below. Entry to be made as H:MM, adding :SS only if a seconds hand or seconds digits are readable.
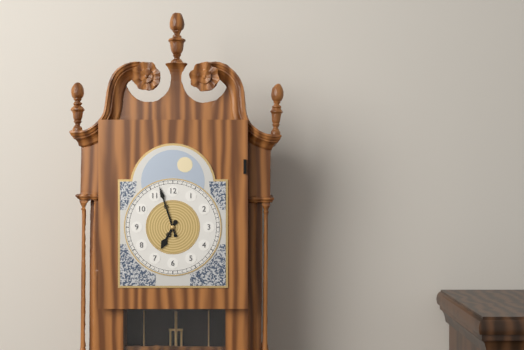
6:57
